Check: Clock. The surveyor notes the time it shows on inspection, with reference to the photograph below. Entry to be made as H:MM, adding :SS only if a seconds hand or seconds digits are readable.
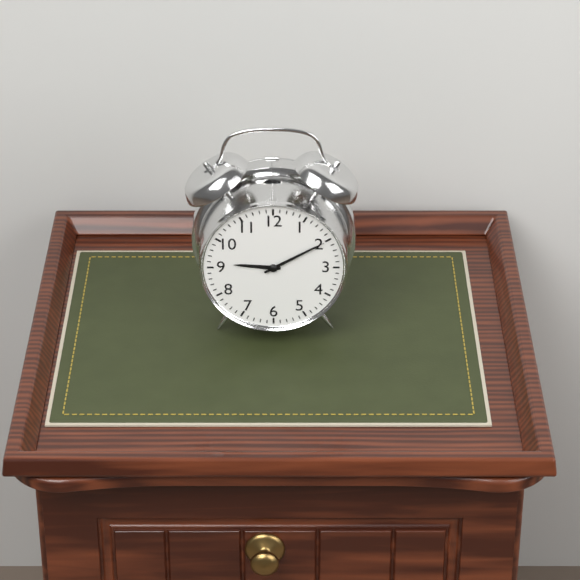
9:10
